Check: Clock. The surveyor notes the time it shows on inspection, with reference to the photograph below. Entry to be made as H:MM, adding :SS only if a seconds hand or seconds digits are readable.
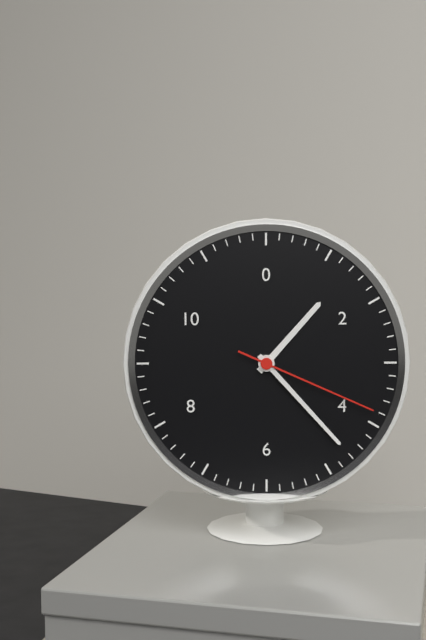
1:23:19
